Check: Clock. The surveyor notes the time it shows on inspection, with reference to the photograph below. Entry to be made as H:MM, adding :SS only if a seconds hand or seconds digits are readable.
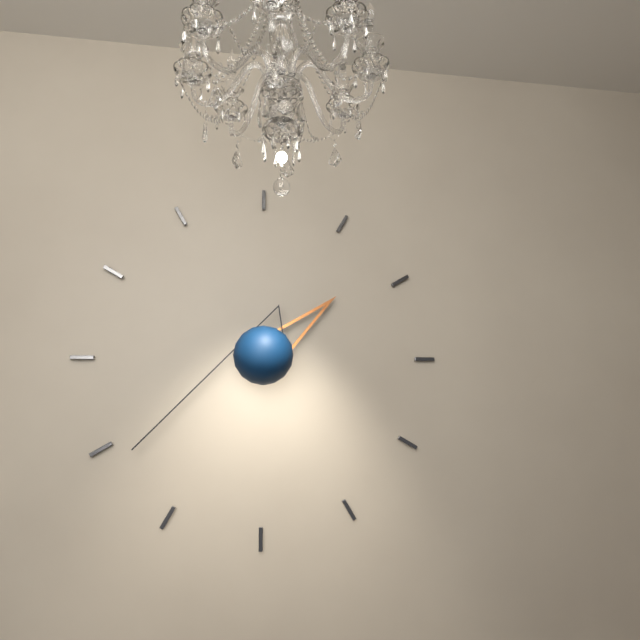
1:39
